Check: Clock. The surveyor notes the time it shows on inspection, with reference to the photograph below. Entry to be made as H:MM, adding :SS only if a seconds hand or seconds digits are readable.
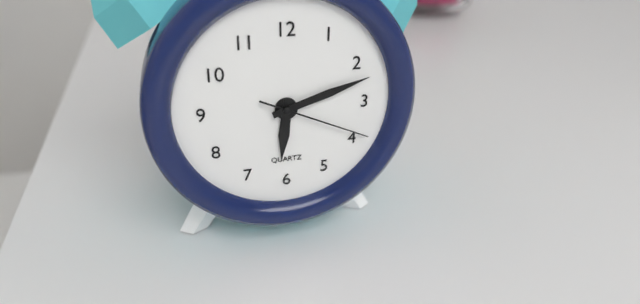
6:12:19
